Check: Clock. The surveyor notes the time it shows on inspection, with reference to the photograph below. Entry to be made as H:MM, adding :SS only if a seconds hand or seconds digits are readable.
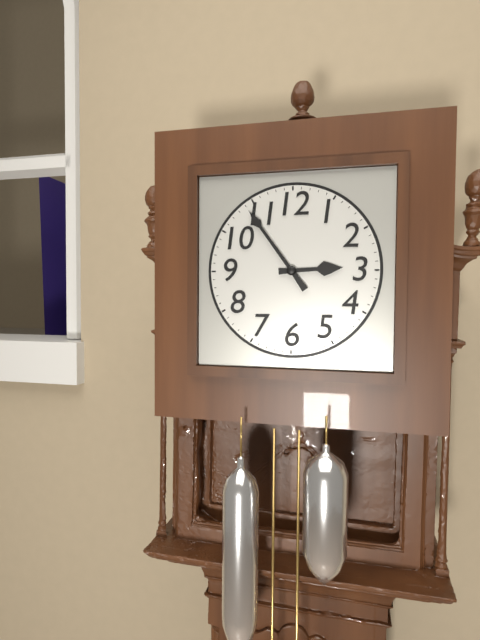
2:54
